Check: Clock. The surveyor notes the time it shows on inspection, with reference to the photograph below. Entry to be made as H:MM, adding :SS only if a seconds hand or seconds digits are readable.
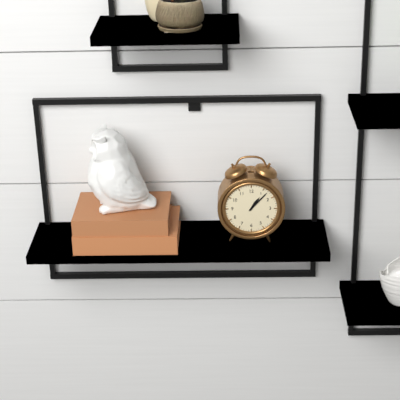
1:07
